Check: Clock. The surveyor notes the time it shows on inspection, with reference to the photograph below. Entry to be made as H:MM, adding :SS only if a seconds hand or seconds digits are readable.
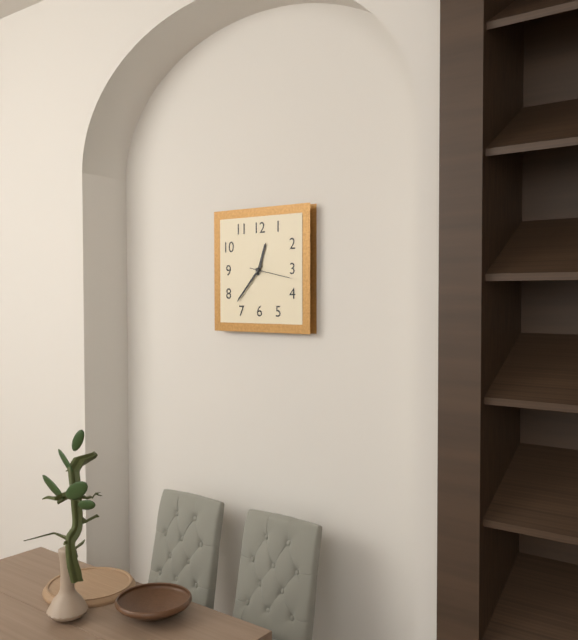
12:37
